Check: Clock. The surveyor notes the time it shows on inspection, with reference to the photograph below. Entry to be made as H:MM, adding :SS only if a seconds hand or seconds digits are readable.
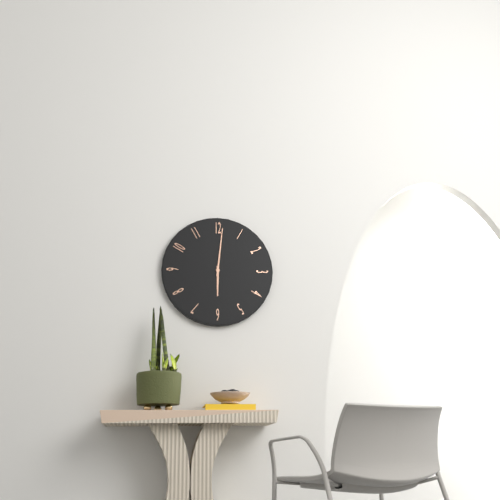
6:01
